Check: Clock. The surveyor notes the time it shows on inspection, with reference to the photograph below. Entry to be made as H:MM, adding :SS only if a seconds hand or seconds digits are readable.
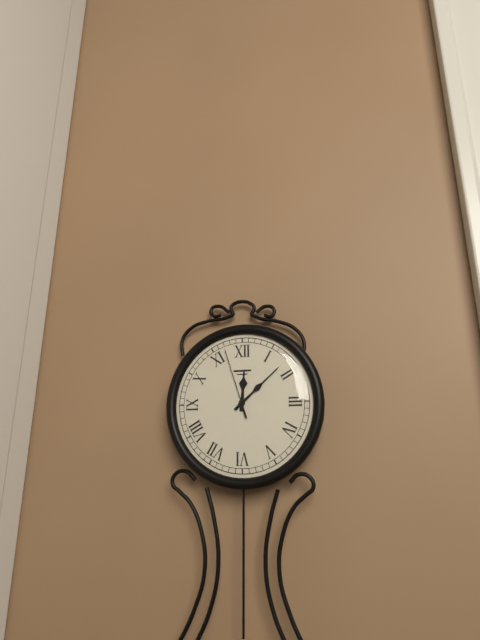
12:08:57
